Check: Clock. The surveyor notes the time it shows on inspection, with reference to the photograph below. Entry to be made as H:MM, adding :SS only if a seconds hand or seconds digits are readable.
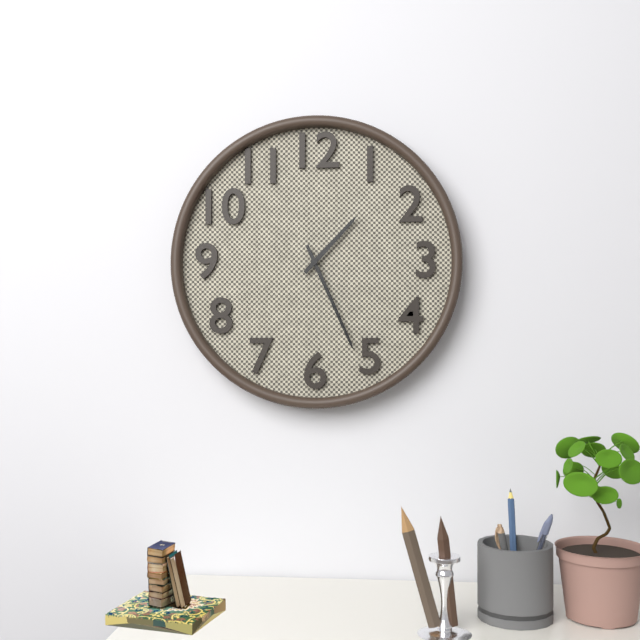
1:26
